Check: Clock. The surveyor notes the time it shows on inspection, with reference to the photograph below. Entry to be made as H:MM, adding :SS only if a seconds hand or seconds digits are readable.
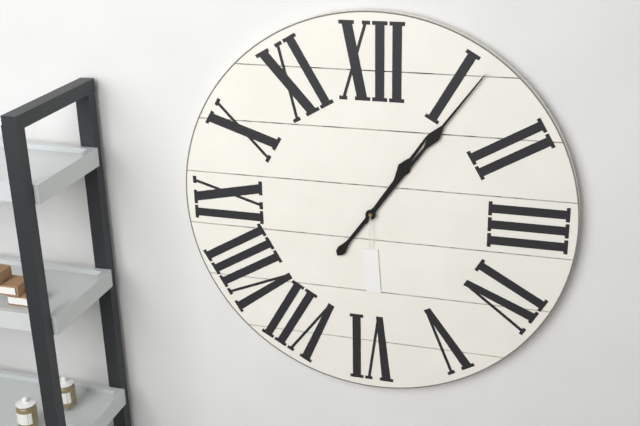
1:06
